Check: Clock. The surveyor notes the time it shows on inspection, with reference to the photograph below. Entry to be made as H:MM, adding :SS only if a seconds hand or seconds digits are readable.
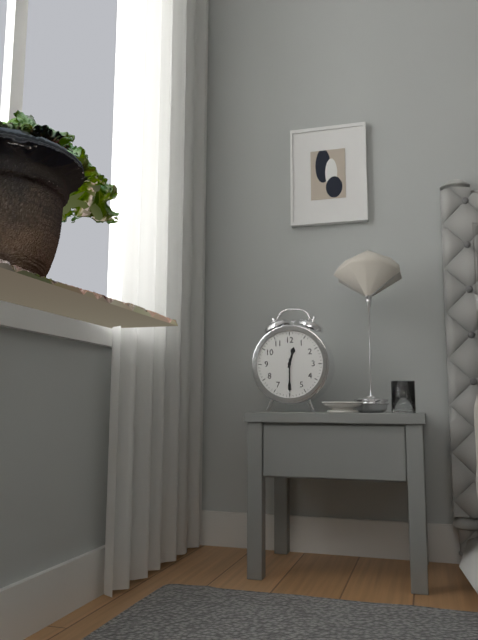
12:30
